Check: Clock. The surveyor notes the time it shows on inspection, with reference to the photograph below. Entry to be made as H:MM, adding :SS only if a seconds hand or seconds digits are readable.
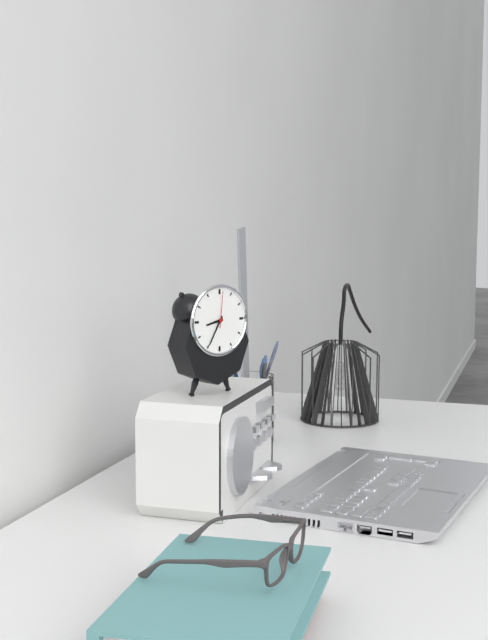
8:35
